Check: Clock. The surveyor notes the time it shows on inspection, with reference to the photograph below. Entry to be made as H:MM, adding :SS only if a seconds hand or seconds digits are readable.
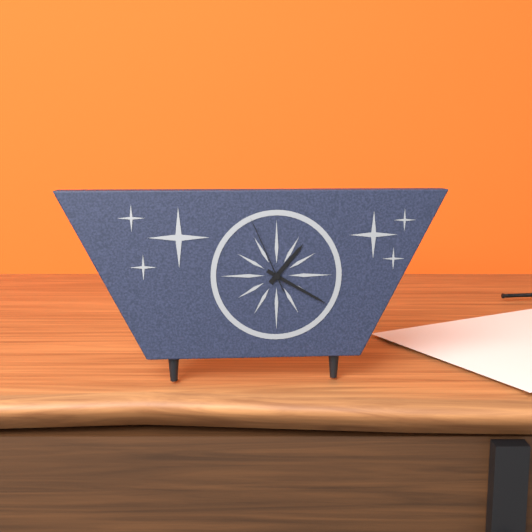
1:20:56
